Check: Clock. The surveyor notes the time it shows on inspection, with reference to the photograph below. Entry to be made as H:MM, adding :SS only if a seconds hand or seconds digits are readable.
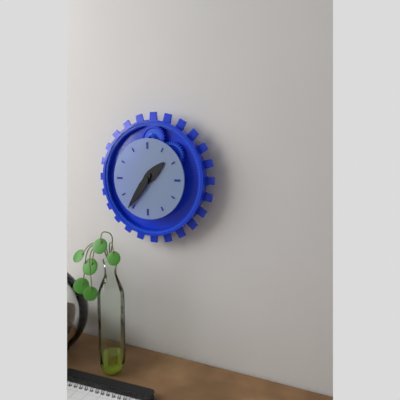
1:36
